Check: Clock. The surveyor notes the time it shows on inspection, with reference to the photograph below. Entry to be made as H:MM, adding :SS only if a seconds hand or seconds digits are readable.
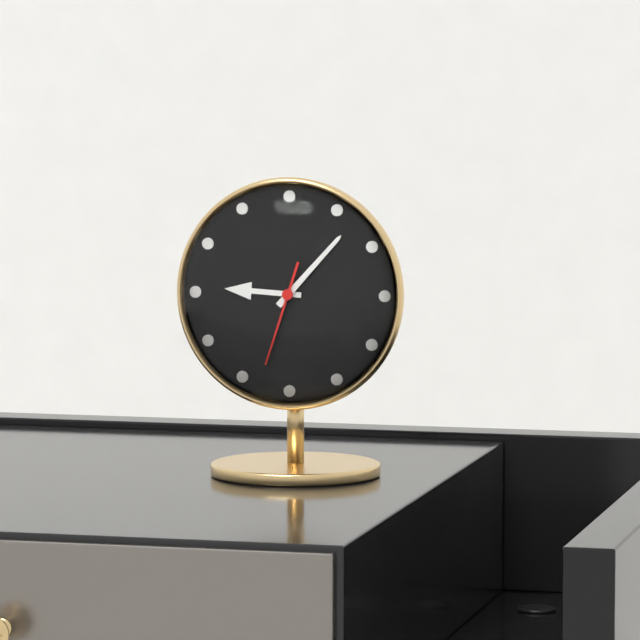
9:07:33
